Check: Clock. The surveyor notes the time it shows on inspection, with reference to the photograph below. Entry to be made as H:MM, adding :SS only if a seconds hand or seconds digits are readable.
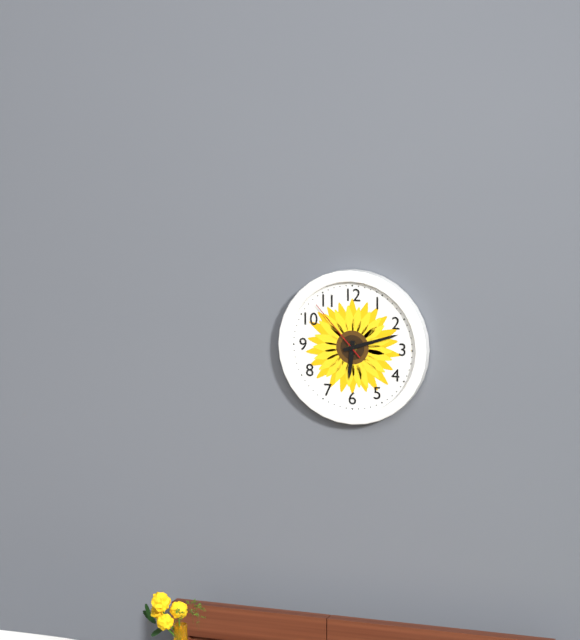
6:12:53
